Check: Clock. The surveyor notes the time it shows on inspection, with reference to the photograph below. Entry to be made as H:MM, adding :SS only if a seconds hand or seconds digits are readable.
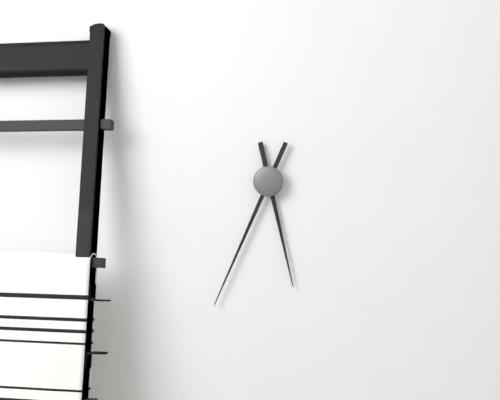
5:34
